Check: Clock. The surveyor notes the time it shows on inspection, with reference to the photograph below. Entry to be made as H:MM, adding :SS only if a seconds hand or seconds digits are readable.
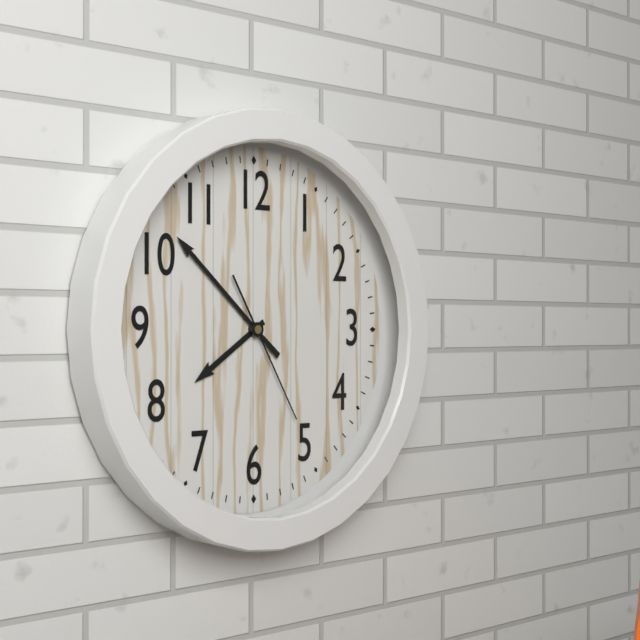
7:52:25
